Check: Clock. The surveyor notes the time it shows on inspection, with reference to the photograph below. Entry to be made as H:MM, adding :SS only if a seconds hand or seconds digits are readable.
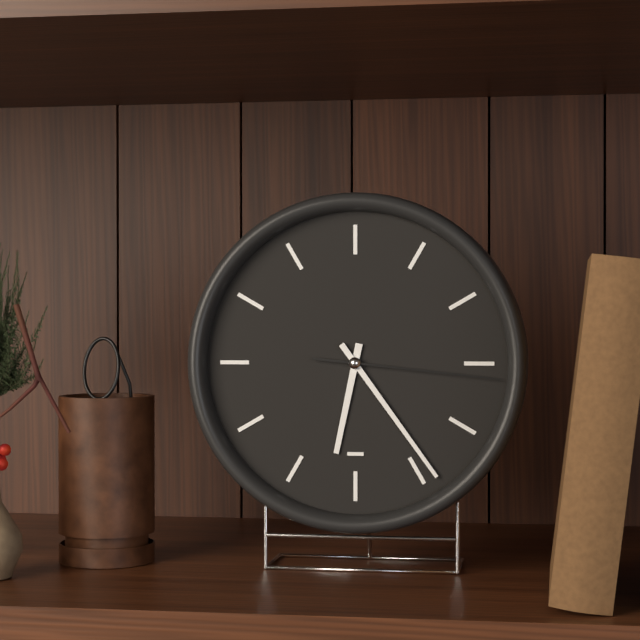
6:24:16
